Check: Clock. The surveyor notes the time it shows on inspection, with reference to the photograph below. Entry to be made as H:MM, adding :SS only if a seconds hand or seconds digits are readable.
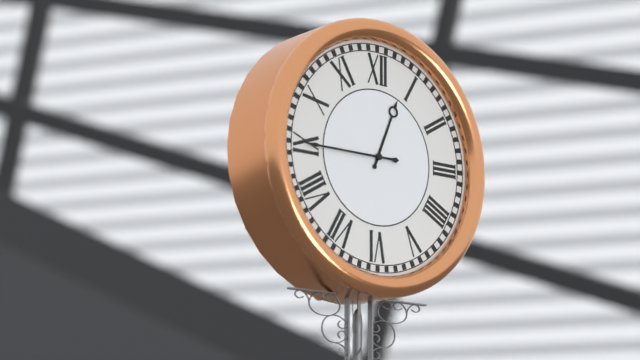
12:45
